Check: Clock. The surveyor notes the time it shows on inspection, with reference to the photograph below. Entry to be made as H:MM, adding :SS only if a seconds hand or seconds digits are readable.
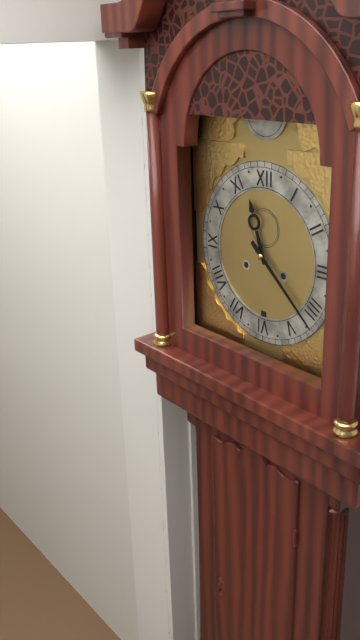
11:22
